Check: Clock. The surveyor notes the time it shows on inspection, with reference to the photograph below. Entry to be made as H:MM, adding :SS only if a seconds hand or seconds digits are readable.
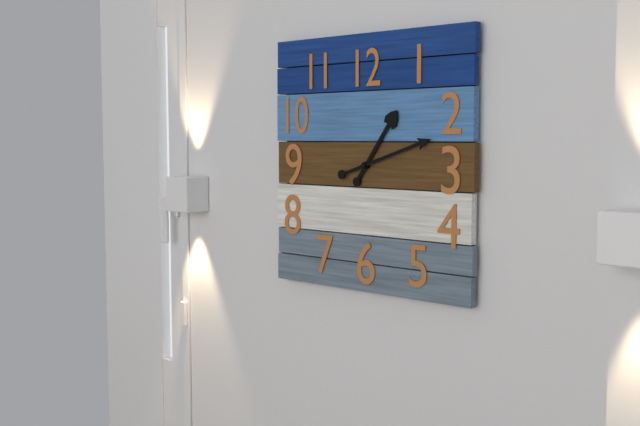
1:12
